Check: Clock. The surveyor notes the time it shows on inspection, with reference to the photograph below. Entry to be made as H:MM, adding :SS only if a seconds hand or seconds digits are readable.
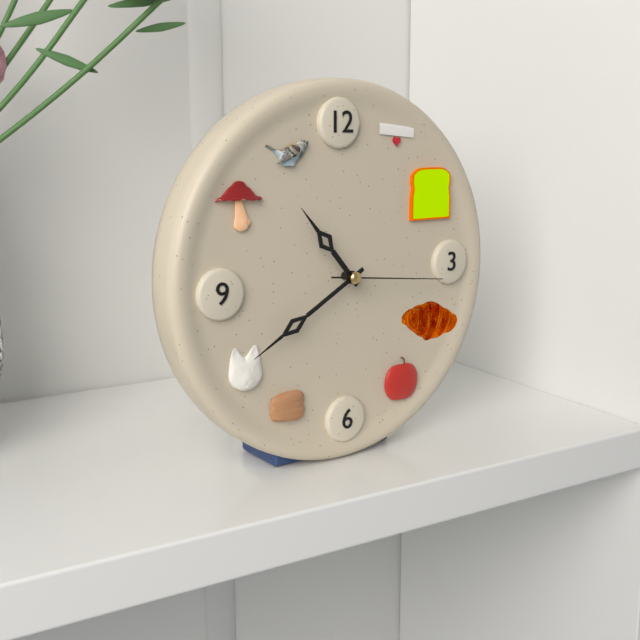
10:40:16
